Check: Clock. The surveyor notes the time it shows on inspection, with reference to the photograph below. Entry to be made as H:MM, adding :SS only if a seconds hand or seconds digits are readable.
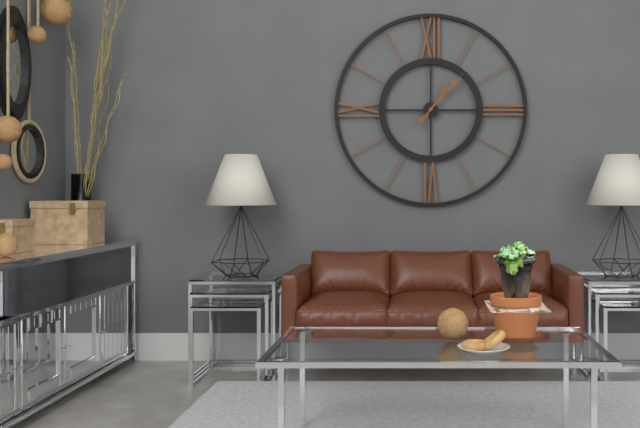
1:07
